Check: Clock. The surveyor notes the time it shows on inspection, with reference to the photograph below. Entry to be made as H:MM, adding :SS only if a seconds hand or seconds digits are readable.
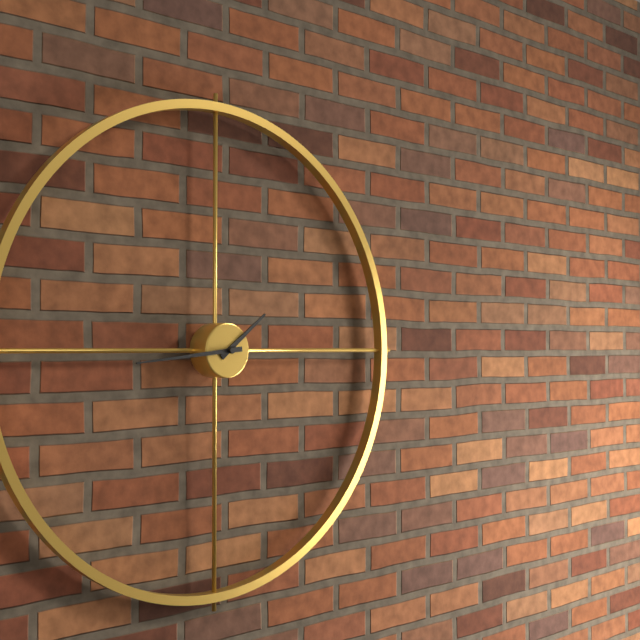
1:44
